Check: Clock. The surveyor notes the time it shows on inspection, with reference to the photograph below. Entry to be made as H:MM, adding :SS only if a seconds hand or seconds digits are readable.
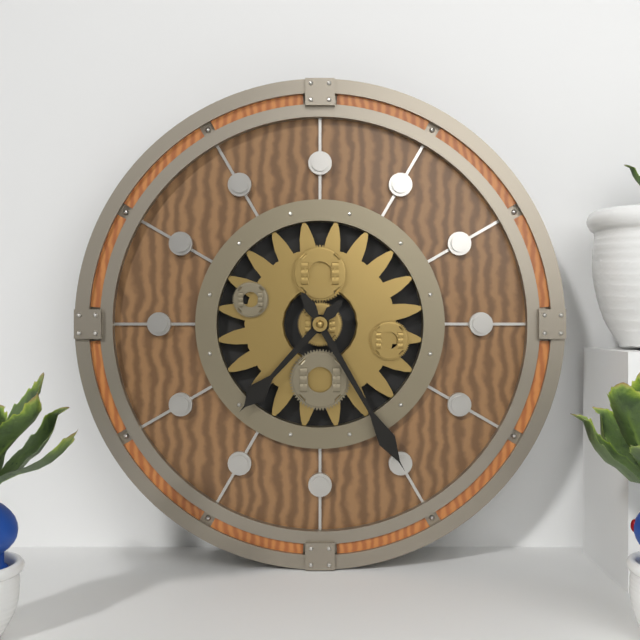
7:25
